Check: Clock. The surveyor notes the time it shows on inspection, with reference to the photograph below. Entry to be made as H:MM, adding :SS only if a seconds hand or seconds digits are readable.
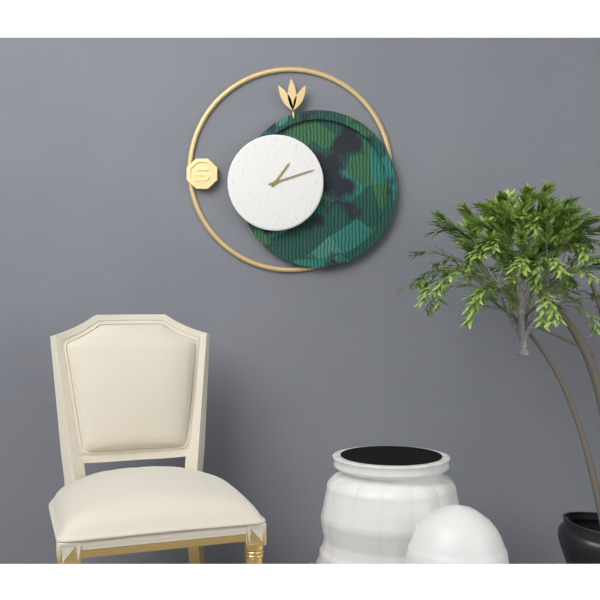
1:12
